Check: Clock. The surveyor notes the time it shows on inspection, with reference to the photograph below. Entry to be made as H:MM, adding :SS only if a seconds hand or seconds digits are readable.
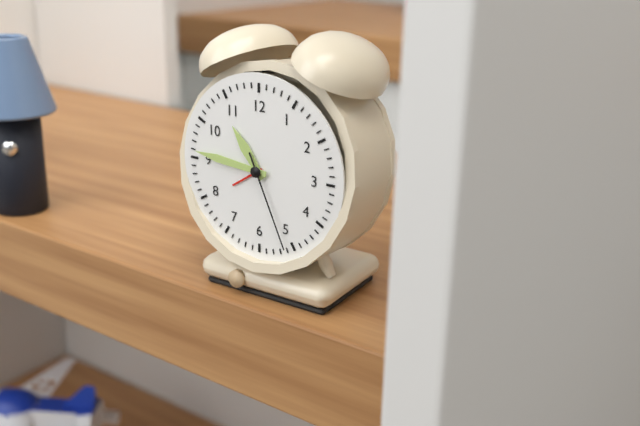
10:46:26
